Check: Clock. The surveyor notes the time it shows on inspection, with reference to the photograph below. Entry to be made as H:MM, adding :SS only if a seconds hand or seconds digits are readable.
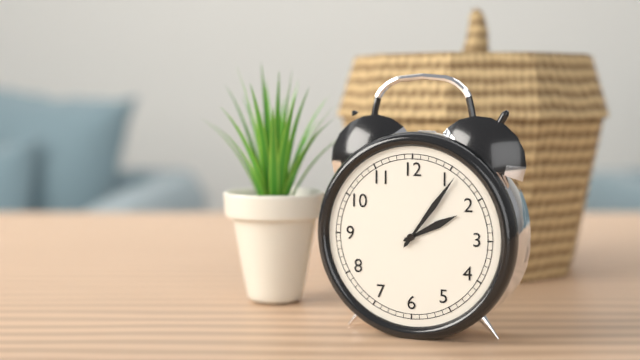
2:06
